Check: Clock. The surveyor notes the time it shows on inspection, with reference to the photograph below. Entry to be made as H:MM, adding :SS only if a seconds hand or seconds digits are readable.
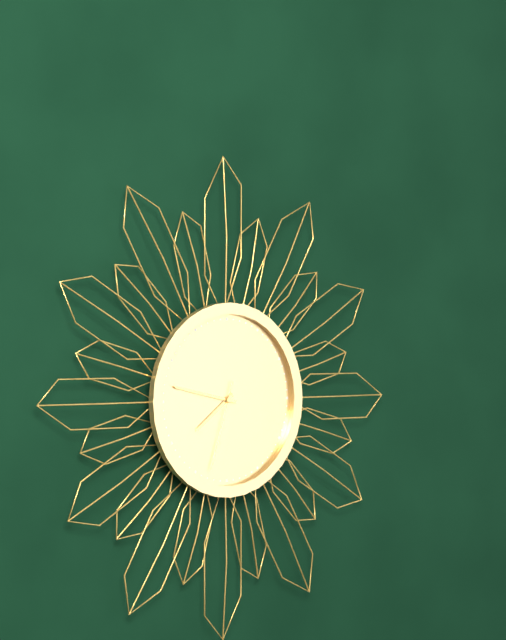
7:47:33
